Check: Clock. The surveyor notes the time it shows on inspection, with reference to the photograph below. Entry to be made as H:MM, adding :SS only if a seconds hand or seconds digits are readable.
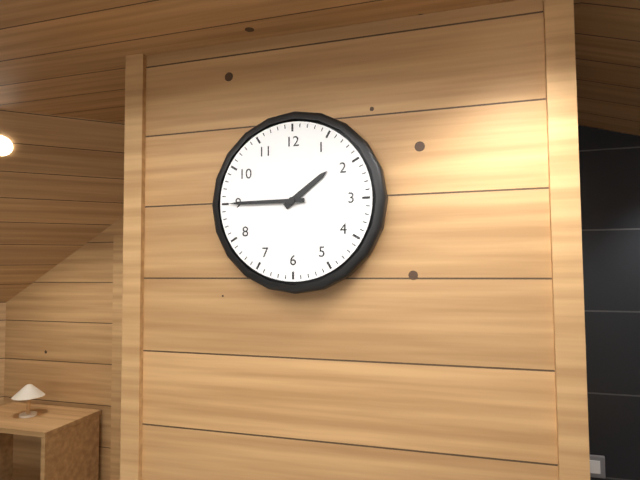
1:45
